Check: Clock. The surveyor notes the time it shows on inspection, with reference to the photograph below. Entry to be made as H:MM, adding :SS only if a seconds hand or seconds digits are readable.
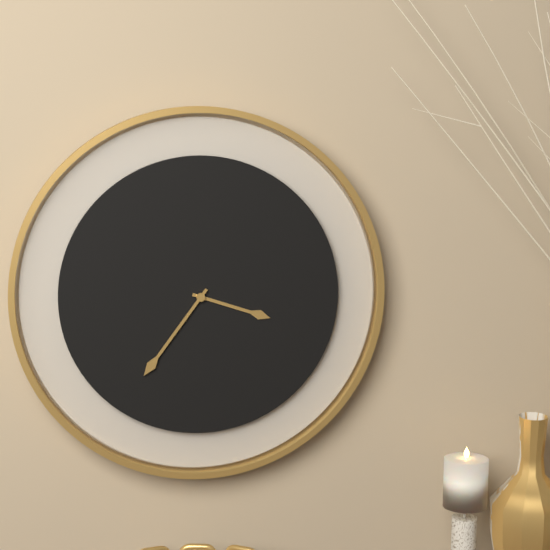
3:36
